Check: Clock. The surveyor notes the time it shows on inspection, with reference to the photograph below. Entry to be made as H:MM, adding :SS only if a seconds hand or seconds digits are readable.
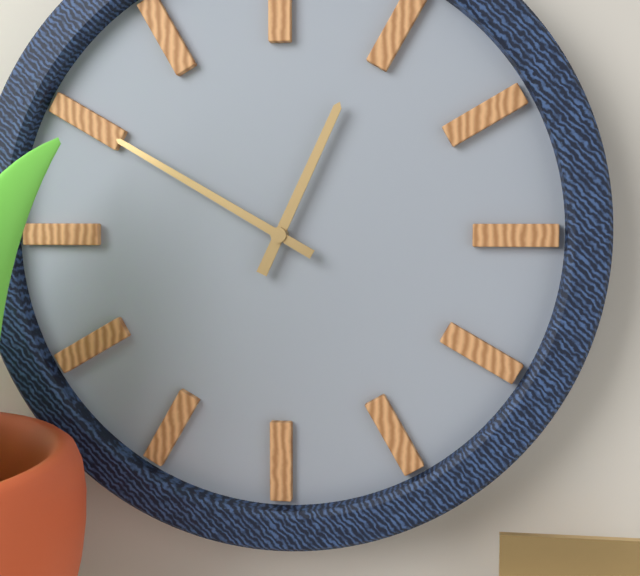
12:50
